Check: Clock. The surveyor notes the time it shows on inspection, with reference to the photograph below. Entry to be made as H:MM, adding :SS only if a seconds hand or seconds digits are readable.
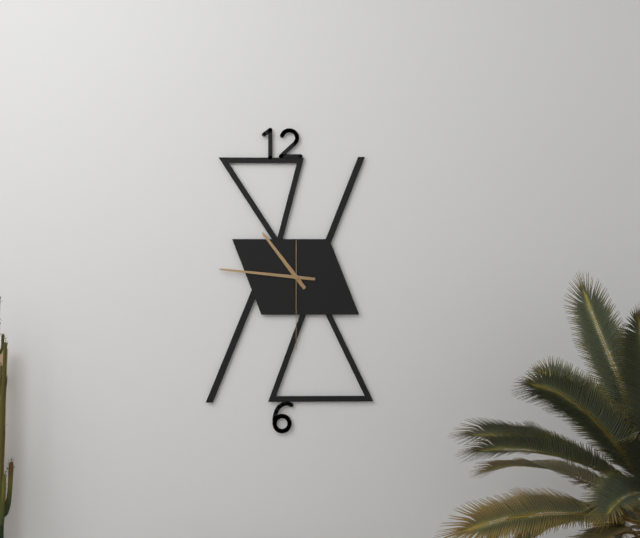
10:46:30
